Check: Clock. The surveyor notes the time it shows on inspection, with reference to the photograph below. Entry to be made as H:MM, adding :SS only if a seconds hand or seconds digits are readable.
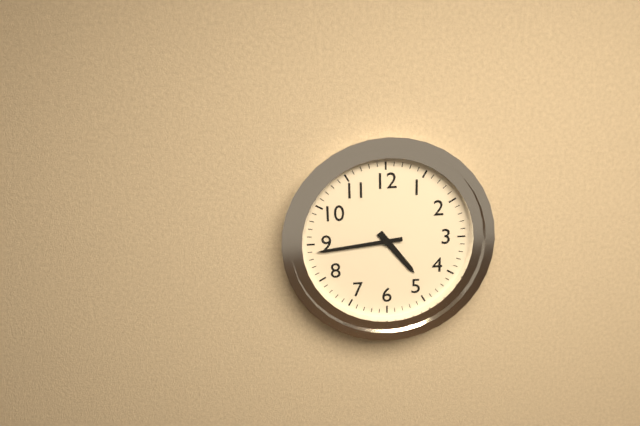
4:44
